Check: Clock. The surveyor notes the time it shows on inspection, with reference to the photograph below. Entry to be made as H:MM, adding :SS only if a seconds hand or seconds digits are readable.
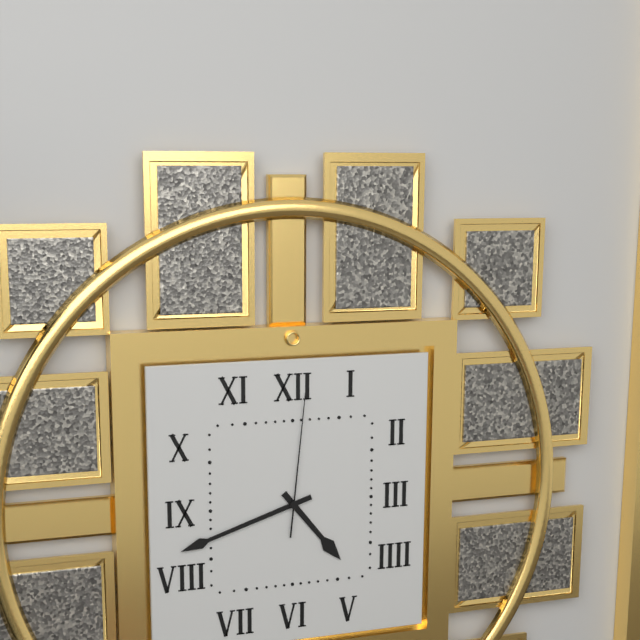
4:42:01
